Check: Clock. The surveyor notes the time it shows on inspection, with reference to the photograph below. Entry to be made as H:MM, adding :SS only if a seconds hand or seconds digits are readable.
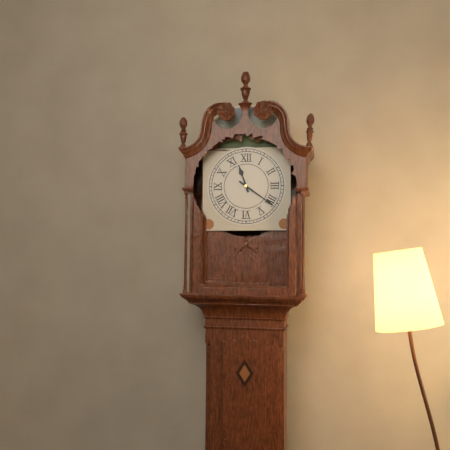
11:21
